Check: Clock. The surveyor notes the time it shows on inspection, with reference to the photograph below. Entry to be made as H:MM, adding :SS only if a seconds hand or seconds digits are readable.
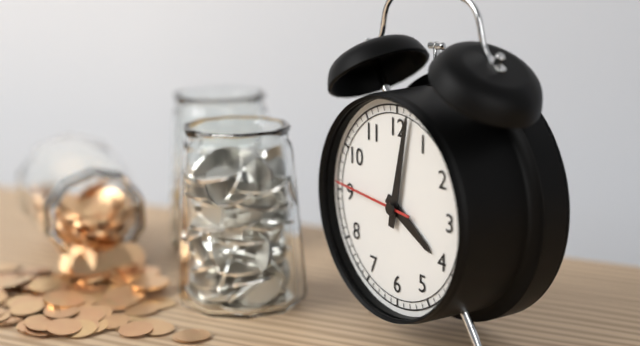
4:02:46
